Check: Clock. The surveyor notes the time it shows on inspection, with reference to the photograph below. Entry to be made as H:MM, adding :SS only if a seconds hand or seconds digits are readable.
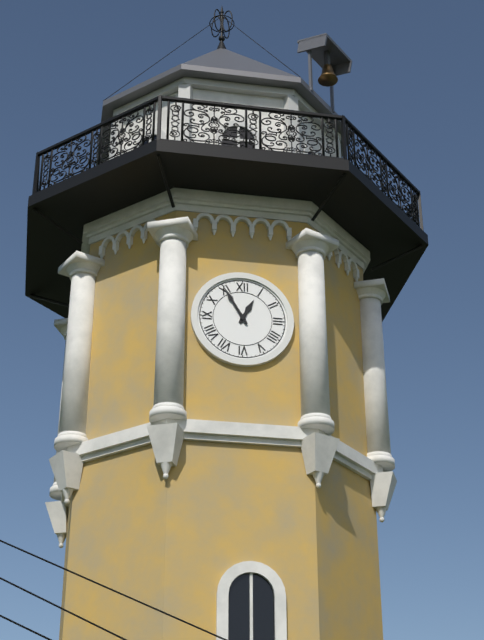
12:55
